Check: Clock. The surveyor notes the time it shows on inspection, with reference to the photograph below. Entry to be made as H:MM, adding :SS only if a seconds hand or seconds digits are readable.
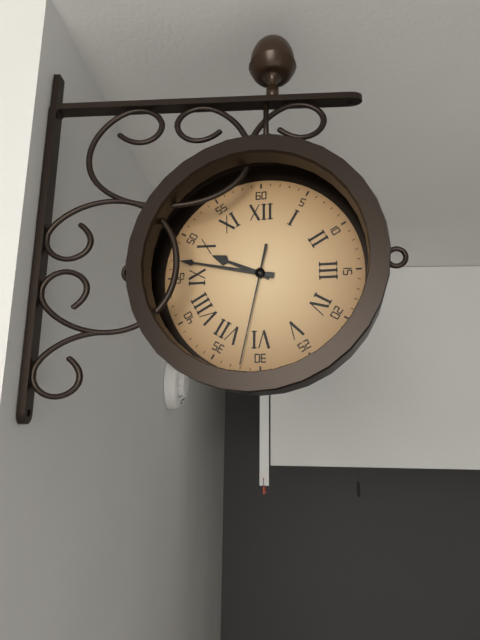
9:47:32
